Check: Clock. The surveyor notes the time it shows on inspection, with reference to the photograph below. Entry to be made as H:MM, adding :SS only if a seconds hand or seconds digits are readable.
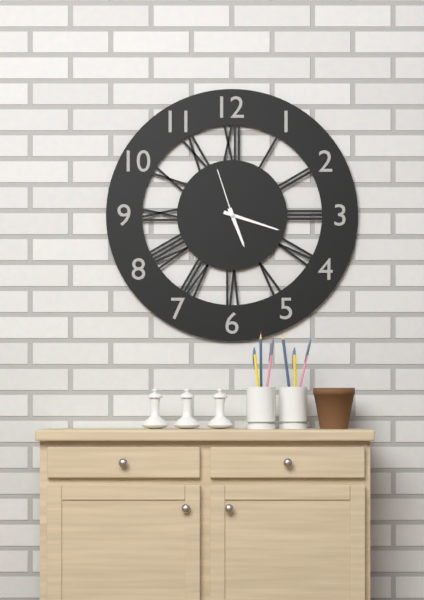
5:18:57
